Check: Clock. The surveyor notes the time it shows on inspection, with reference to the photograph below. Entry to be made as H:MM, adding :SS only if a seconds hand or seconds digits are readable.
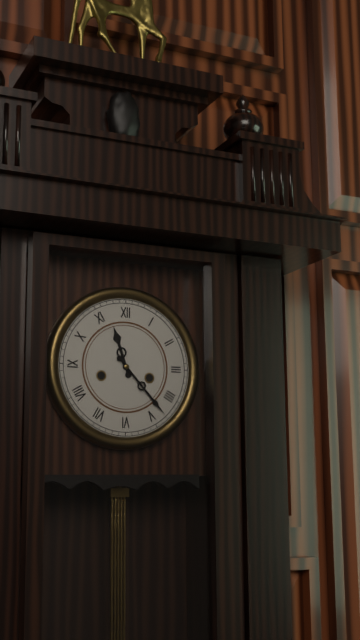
11:23
